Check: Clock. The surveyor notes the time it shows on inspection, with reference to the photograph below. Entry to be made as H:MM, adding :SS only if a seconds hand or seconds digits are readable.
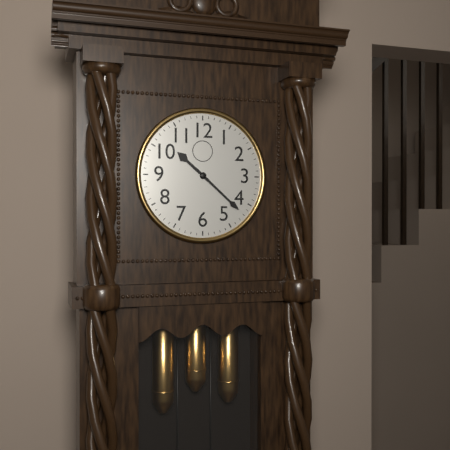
10:22
